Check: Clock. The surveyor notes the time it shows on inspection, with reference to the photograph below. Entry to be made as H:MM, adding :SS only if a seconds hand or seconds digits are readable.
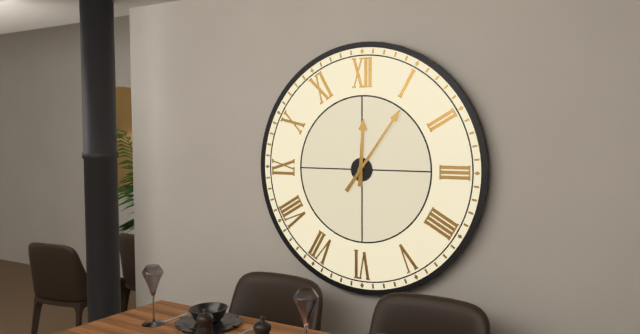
12:06
